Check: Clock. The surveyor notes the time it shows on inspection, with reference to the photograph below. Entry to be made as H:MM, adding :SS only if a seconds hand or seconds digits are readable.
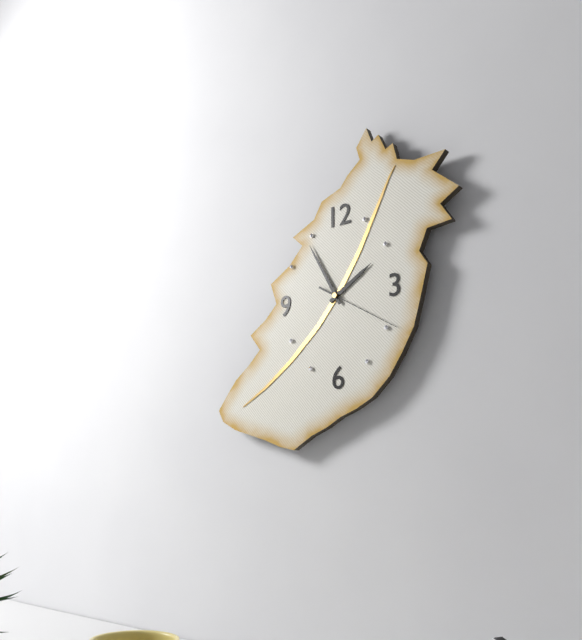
1:55:20
